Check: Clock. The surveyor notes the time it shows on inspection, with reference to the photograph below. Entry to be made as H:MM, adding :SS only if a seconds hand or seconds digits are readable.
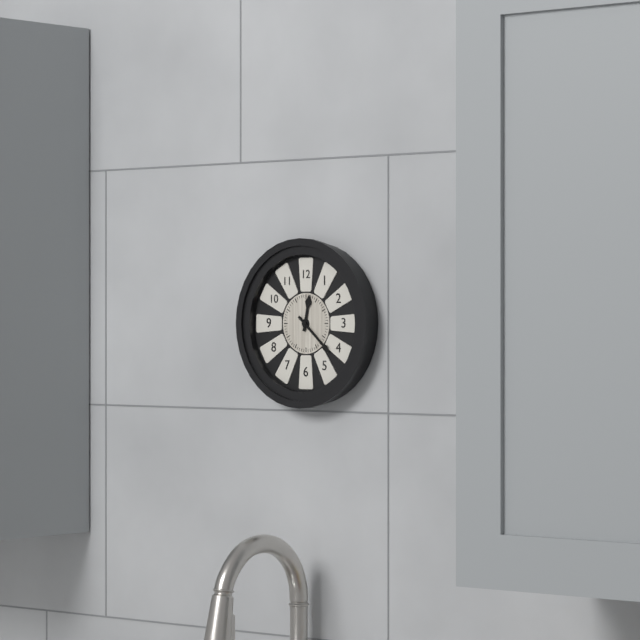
12:22
